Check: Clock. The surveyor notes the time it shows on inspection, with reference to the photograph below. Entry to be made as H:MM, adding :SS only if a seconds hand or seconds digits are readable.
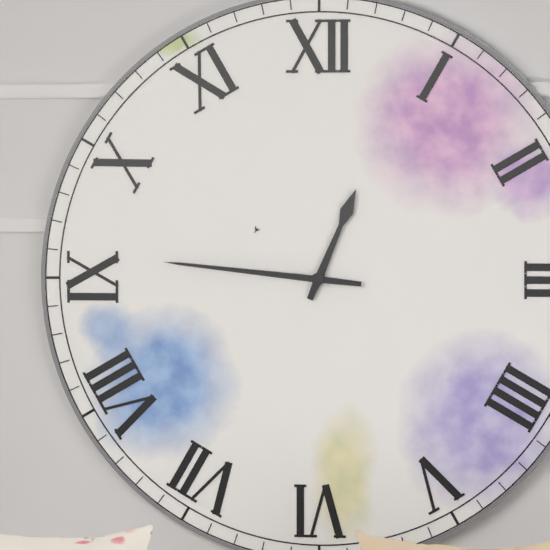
12:46
